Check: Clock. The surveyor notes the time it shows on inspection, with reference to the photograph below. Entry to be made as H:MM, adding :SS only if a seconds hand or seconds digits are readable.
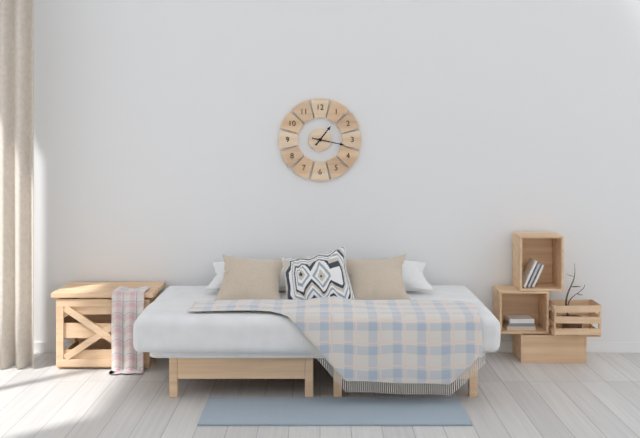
1:17
